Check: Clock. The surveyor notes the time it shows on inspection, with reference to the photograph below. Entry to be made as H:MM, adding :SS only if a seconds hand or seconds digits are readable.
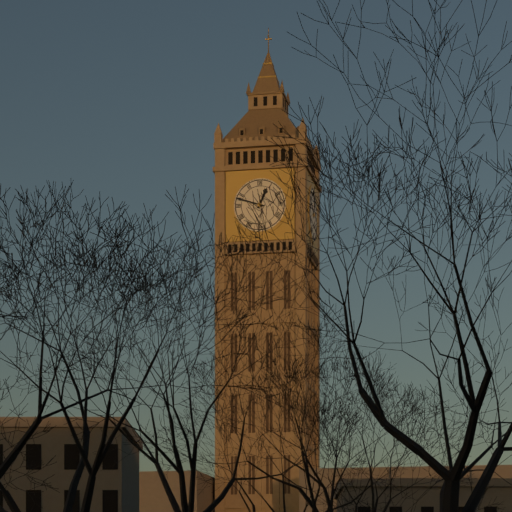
12:48
